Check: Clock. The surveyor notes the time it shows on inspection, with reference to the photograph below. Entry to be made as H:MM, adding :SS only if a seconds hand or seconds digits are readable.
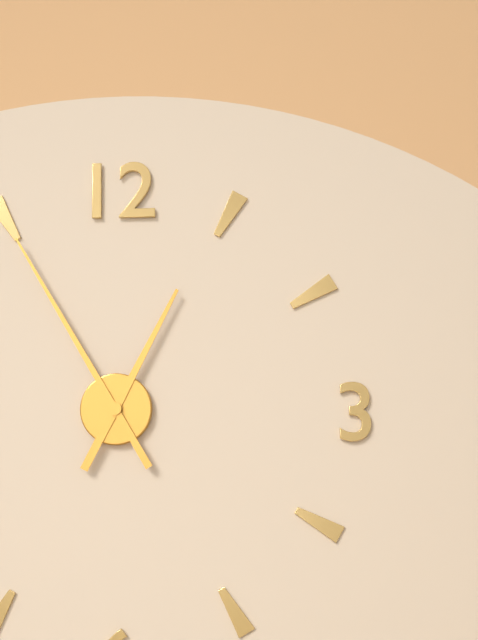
12:55
